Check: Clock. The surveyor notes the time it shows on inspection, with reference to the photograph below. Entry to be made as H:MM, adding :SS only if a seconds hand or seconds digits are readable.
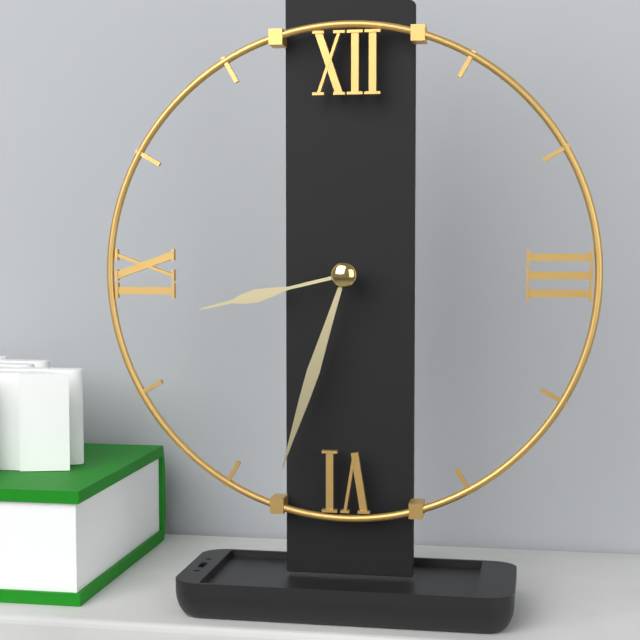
8:33
